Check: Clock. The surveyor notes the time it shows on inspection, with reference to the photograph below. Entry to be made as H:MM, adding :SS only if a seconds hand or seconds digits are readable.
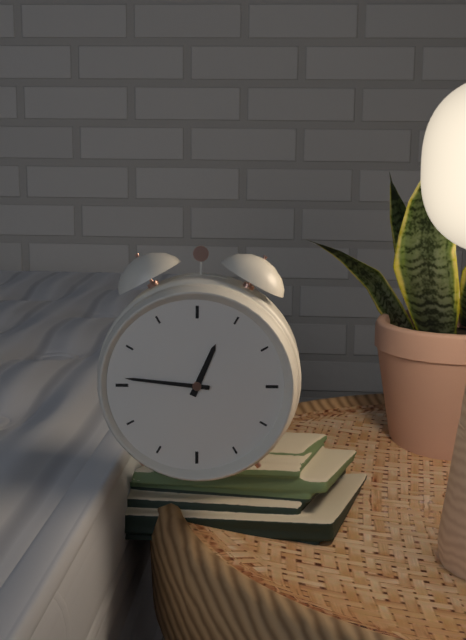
12:46
